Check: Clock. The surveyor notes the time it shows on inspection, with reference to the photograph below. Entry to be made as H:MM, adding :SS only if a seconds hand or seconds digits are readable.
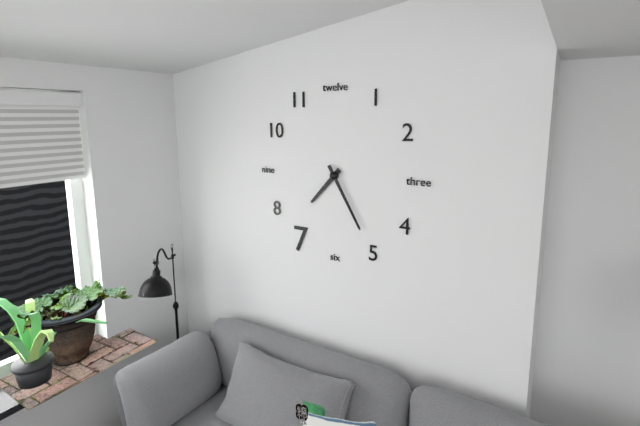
7:25
